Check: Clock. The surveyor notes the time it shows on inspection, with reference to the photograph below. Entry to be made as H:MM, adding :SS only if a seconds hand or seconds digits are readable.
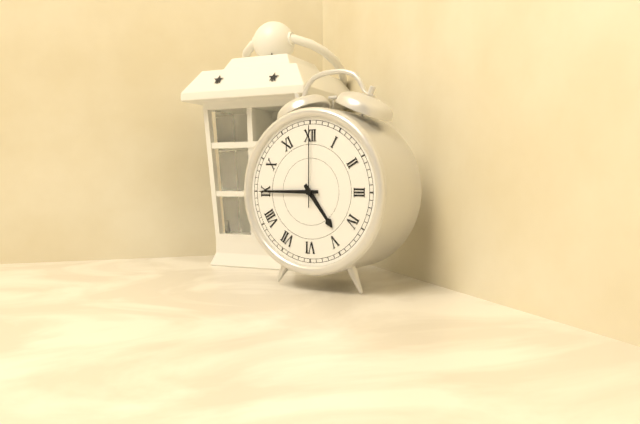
4:45:00
